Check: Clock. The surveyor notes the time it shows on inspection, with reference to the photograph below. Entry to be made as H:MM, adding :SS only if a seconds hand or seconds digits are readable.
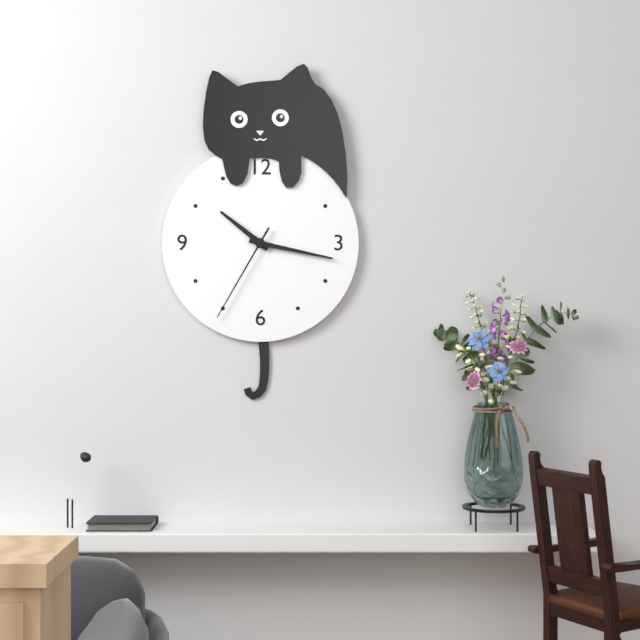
10:17:35
